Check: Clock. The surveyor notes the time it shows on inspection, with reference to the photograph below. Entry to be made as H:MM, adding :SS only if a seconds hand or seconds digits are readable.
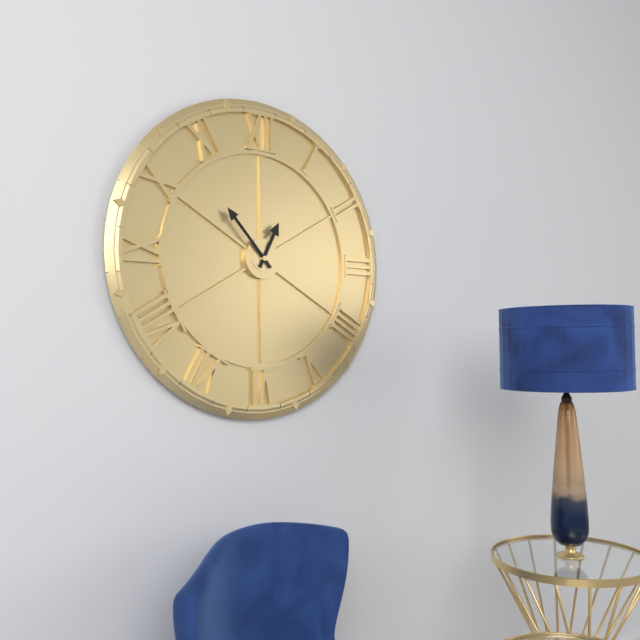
12:53
